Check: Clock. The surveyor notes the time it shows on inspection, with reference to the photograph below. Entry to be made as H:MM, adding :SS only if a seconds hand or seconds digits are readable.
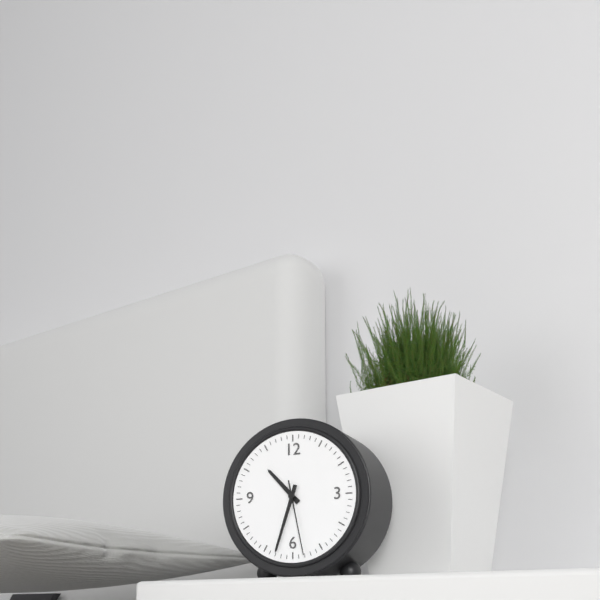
10:33:28
